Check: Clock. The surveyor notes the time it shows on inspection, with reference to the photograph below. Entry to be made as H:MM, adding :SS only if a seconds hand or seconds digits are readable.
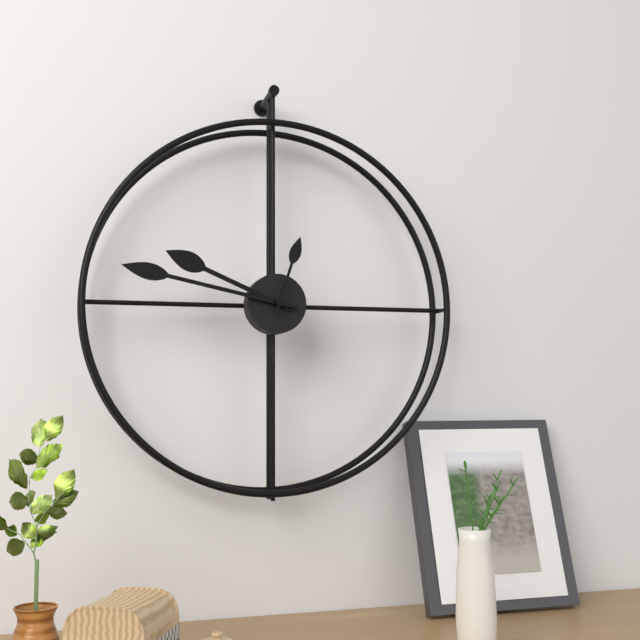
9:47:03
